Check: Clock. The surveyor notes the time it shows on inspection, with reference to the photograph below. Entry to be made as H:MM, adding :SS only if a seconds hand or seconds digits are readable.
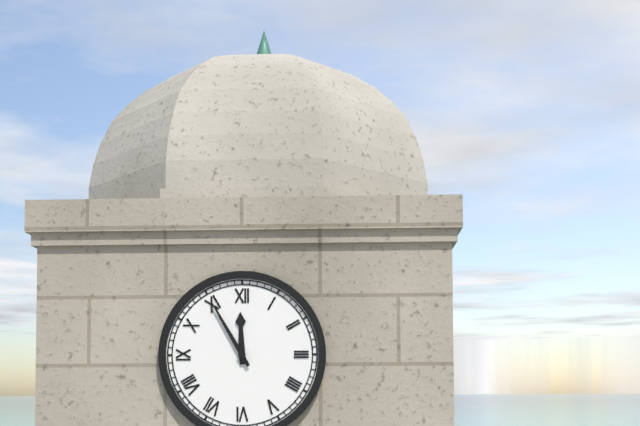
11:55
